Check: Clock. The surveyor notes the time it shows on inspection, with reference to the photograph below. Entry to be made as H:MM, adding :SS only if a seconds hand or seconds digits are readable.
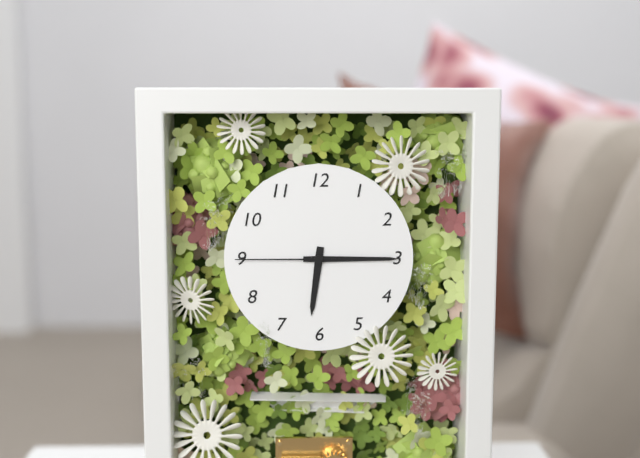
6:15:45
